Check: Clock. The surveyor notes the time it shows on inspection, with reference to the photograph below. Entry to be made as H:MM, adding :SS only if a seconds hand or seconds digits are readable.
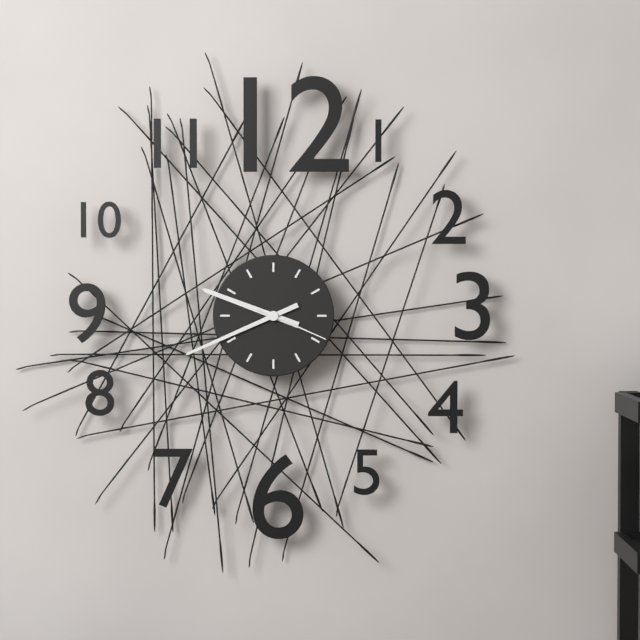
9:41:19
